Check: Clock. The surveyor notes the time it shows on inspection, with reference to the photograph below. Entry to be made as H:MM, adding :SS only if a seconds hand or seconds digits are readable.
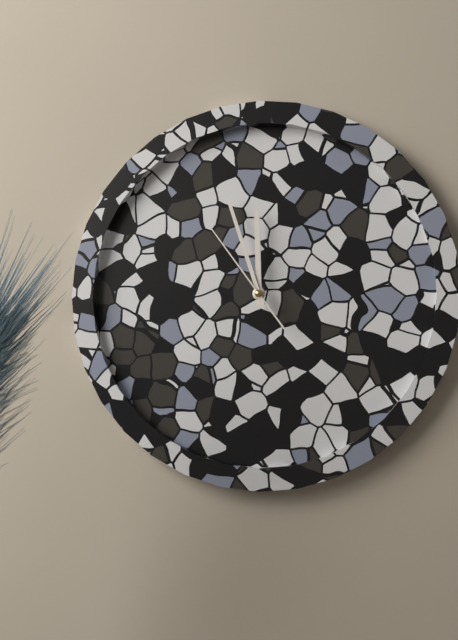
11:57:54
